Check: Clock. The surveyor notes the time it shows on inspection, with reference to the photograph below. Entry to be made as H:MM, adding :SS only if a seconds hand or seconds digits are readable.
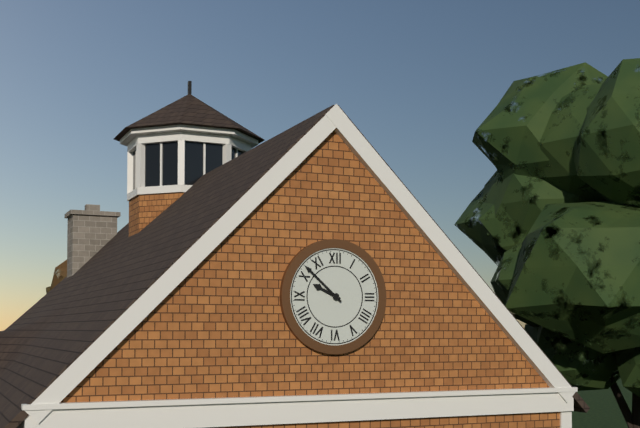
9:52
